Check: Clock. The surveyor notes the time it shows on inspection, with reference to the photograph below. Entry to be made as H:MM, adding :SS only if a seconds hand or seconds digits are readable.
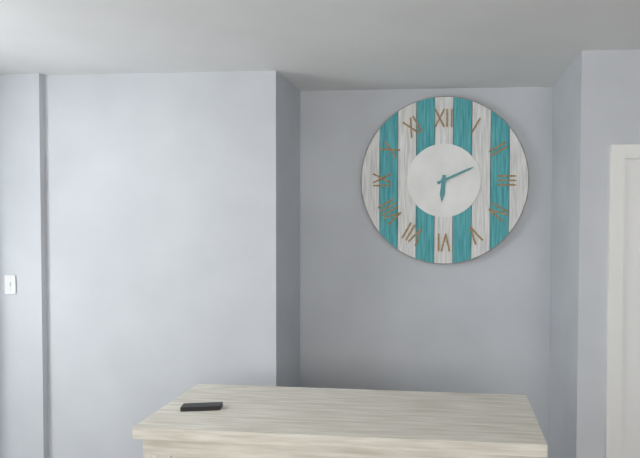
6:11
